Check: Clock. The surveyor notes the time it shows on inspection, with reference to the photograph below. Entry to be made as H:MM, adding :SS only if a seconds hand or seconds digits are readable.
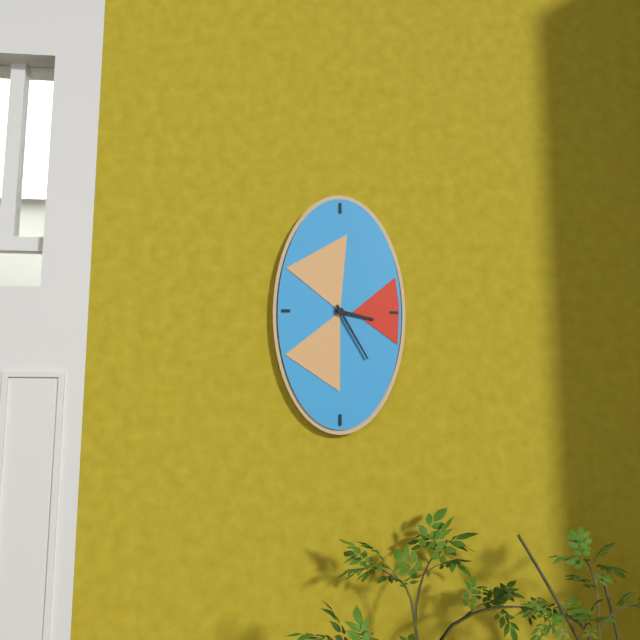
3:25
